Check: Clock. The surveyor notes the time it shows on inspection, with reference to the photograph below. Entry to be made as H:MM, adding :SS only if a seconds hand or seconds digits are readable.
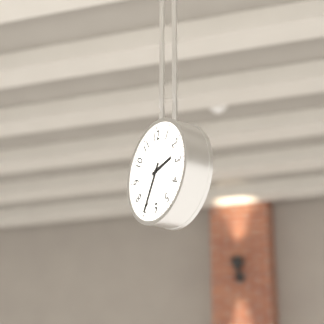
2:35
